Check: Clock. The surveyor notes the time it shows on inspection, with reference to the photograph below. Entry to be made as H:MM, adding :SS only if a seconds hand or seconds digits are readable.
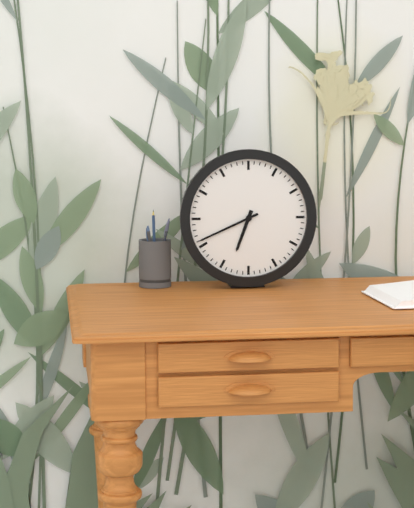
6:41
